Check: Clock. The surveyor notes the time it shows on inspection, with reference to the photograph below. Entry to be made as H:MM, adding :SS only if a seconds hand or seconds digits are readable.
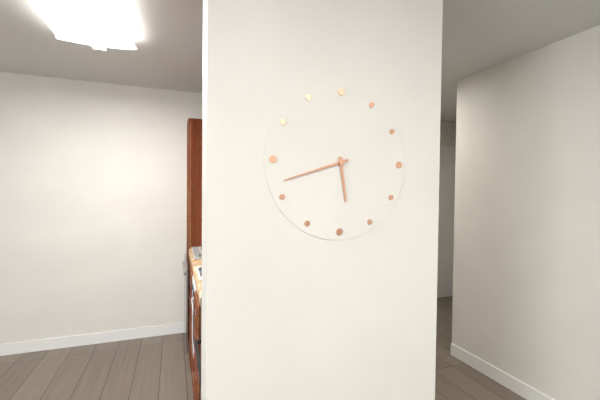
5:42
